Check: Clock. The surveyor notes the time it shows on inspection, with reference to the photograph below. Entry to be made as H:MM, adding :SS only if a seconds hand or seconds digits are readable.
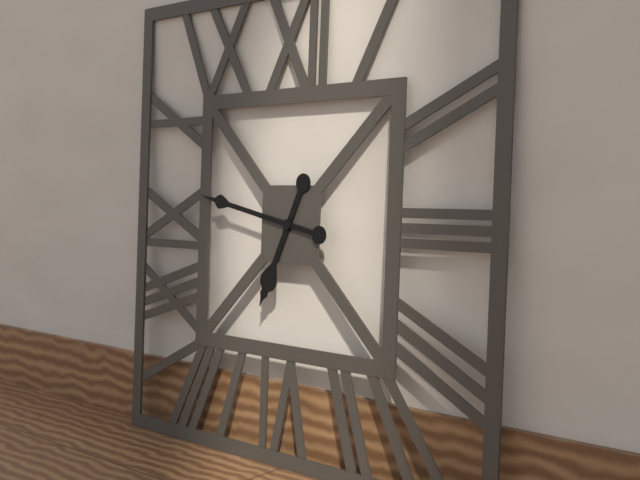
6:47
